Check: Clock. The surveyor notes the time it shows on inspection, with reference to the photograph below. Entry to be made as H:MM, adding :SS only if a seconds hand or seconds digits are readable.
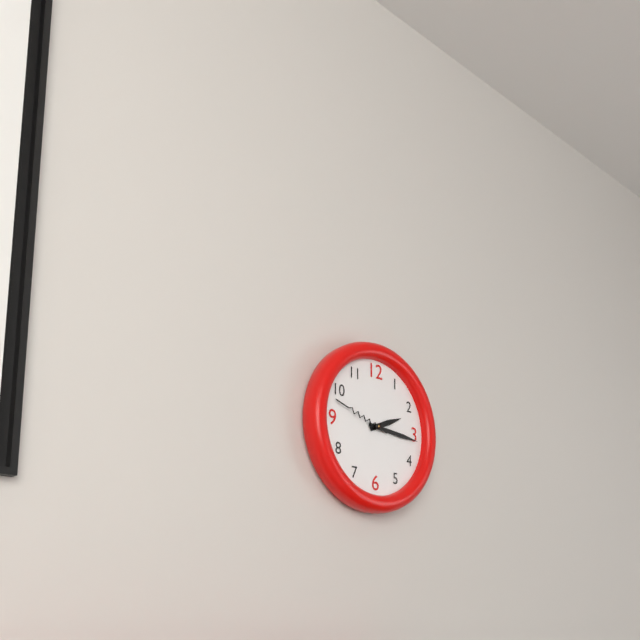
2:16:48
